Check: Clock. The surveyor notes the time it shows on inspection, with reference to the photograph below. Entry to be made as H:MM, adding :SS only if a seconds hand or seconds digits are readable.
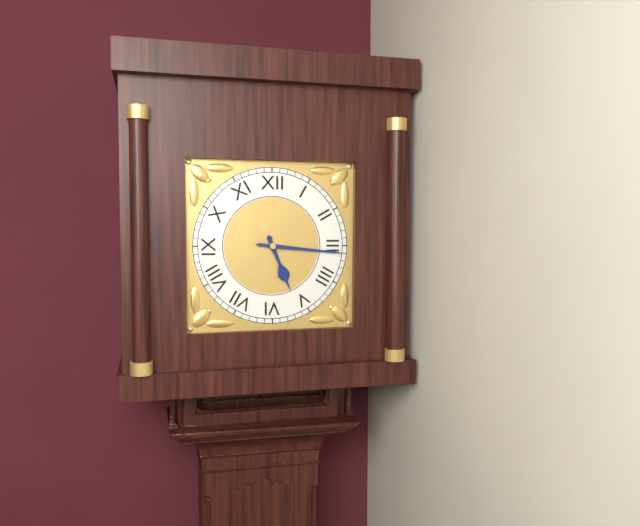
5:16
